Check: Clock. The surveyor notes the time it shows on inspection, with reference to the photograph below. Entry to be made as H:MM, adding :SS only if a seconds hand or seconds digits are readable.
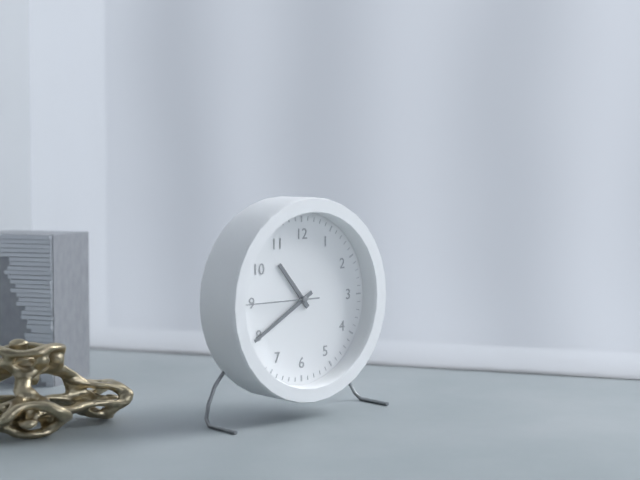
10:40:45
